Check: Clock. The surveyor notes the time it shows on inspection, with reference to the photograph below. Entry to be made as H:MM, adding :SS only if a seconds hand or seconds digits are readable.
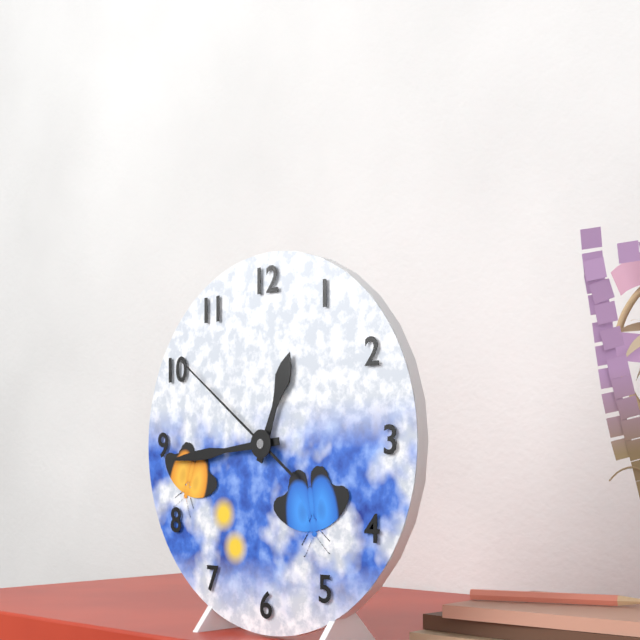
12:44:51
